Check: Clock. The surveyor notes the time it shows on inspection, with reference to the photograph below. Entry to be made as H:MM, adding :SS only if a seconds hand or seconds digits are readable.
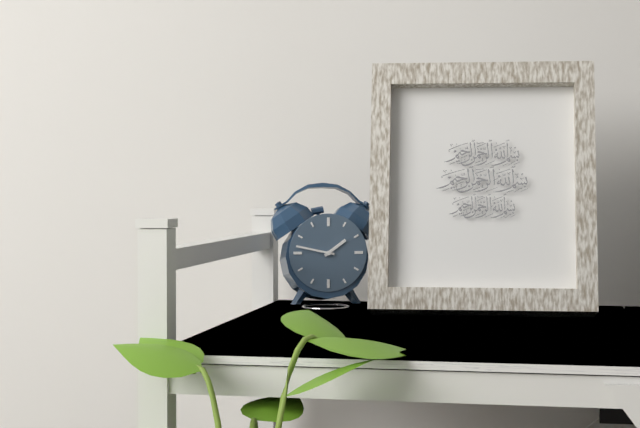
1:47
